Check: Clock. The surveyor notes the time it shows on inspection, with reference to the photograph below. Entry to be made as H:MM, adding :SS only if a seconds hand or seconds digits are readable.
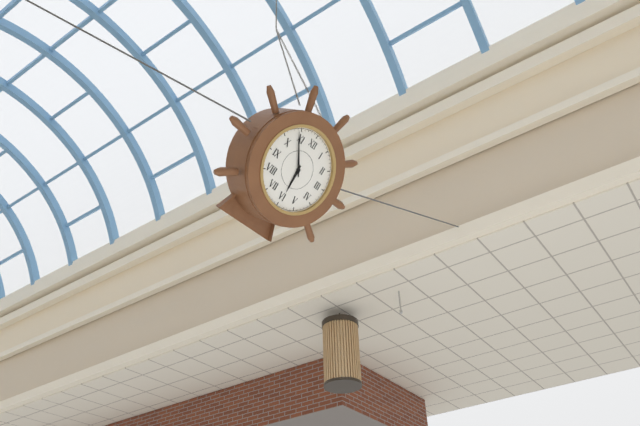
5:54
